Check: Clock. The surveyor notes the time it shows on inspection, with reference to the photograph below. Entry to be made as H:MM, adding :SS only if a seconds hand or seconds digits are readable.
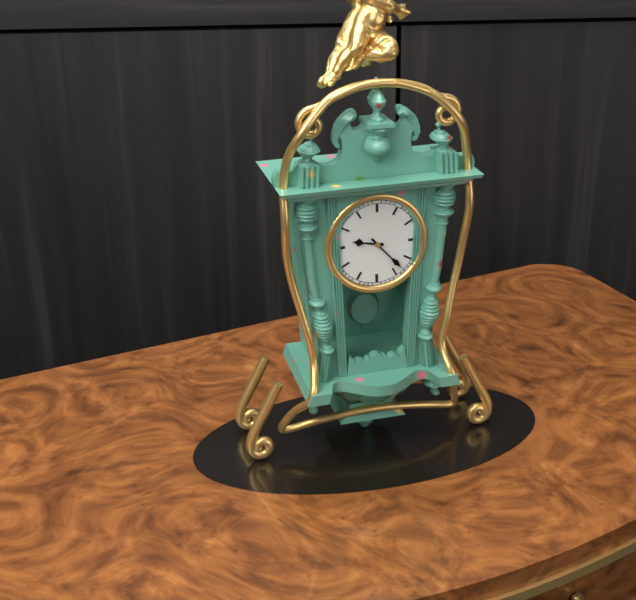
9:23
